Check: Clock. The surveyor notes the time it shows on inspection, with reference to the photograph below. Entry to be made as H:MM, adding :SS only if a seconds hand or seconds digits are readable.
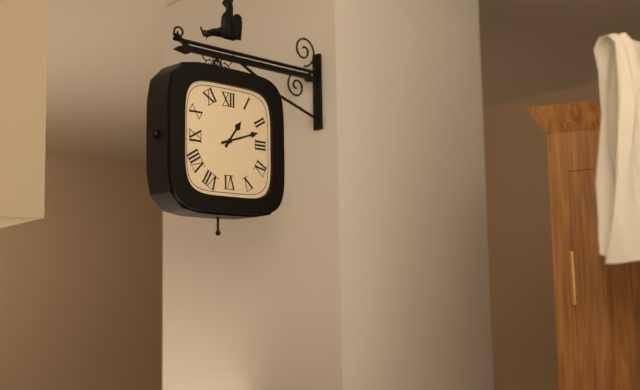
1:12
